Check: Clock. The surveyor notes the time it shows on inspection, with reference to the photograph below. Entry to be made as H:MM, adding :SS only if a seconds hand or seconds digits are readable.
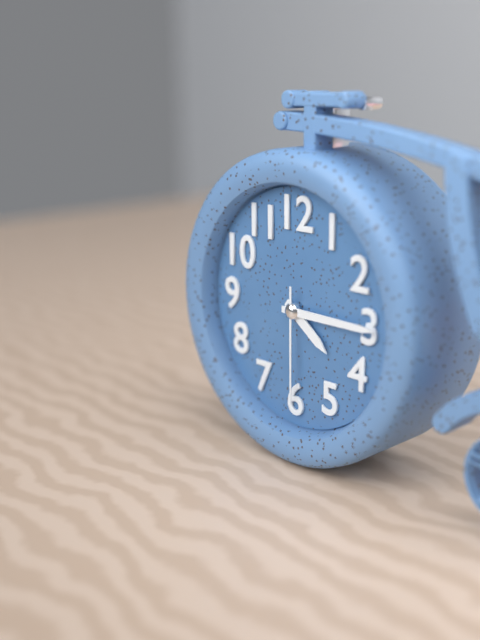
4:15:30
